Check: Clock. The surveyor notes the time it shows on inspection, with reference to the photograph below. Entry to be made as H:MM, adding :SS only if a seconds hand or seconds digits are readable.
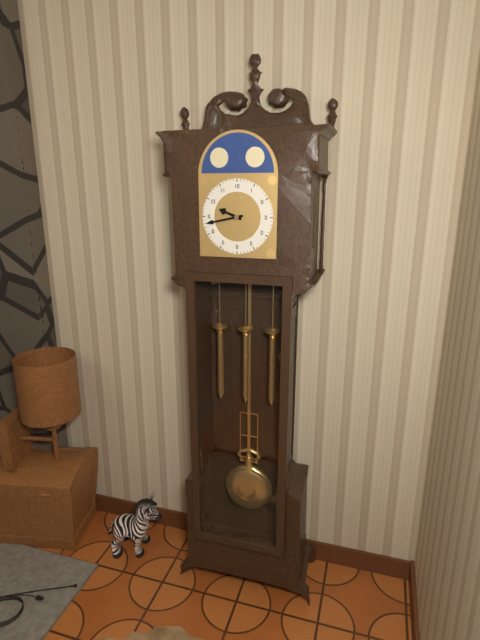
9:43
